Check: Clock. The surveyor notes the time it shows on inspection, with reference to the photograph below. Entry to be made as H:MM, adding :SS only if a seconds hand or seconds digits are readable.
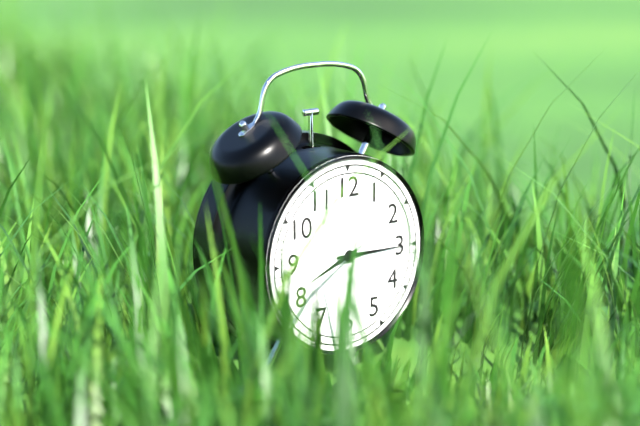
8:15
